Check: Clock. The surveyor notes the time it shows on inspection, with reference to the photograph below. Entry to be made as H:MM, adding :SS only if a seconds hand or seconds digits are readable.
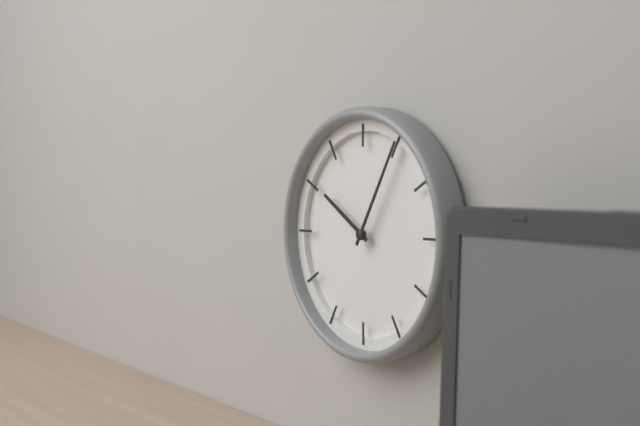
10:05
